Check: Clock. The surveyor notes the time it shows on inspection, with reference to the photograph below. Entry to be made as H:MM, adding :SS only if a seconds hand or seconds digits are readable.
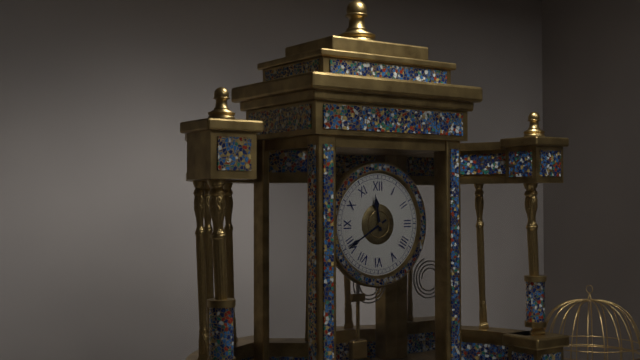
11:40
